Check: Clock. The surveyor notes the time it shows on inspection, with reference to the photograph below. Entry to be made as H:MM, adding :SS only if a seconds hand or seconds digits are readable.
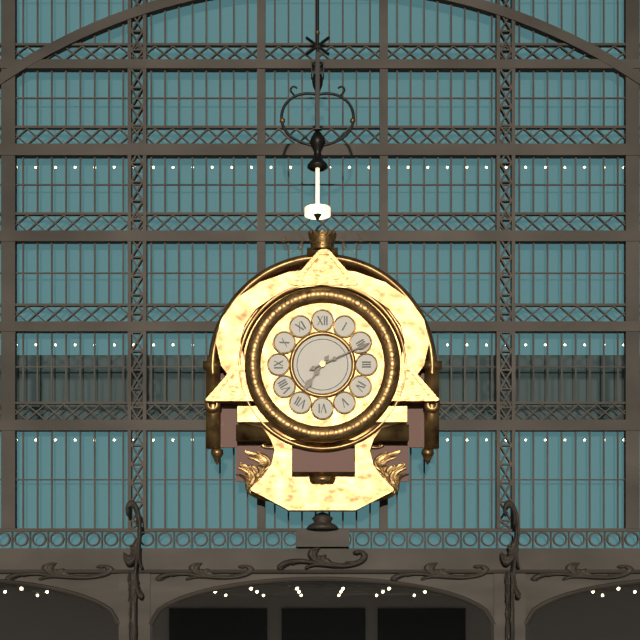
7:11
